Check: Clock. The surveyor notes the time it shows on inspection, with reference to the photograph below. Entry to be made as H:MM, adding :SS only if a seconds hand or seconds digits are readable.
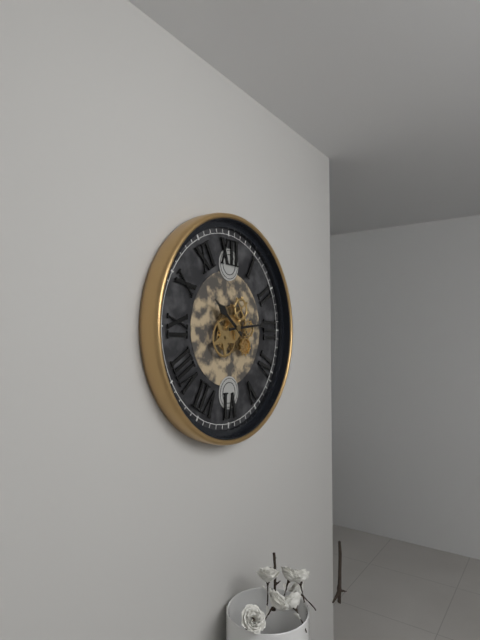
10:14
